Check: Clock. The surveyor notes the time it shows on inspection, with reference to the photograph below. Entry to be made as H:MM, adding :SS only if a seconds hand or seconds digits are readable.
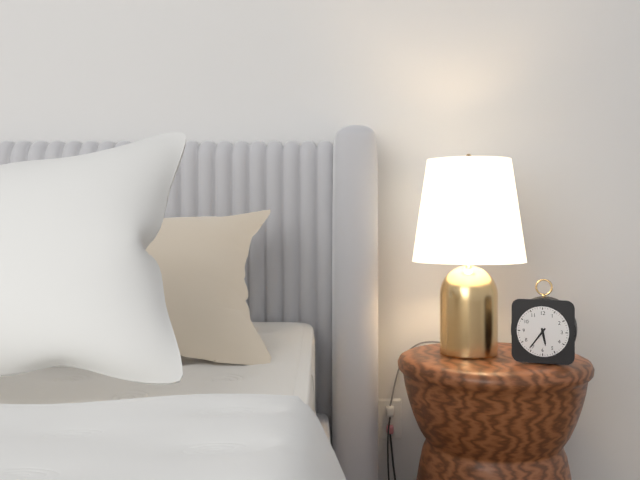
5:36
